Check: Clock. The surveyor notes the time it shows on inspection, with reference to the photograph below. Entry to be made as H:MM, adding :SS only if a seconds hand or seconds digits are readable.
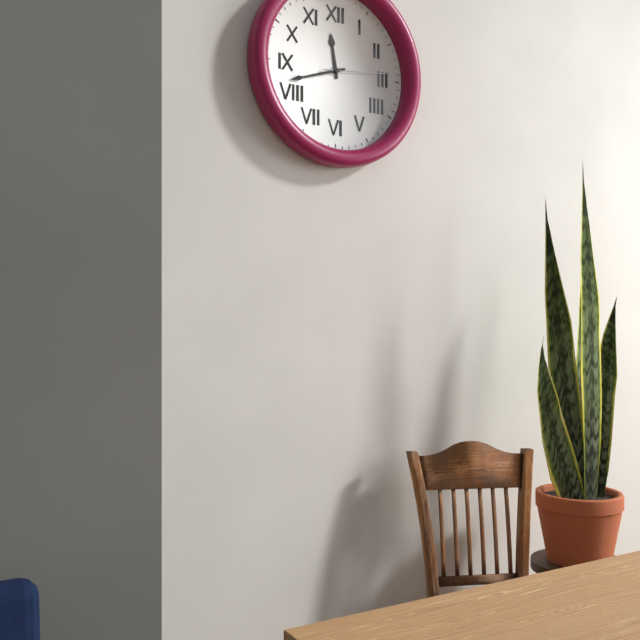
11:42:14
